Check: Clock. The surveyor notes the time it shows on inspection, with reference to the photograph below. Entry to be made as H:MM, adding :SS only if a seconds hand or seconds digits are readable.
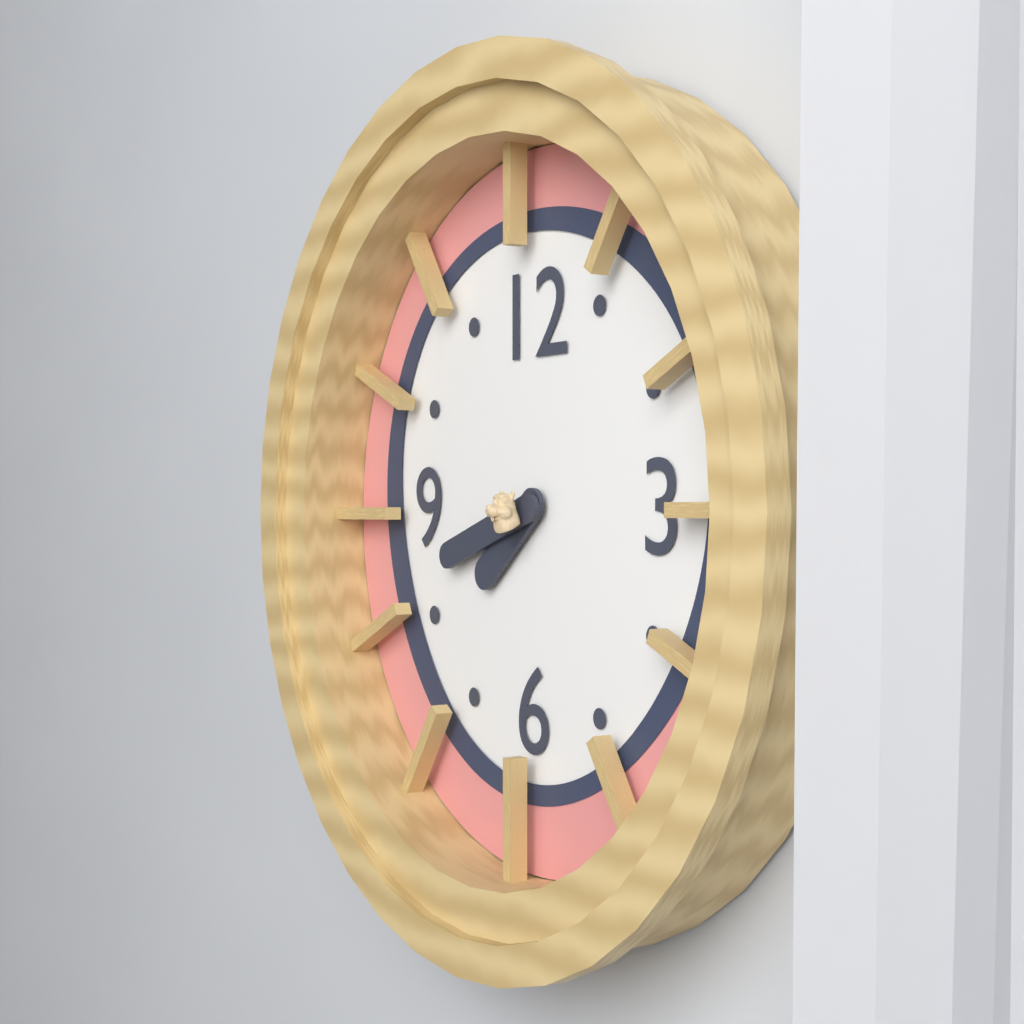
7:42
